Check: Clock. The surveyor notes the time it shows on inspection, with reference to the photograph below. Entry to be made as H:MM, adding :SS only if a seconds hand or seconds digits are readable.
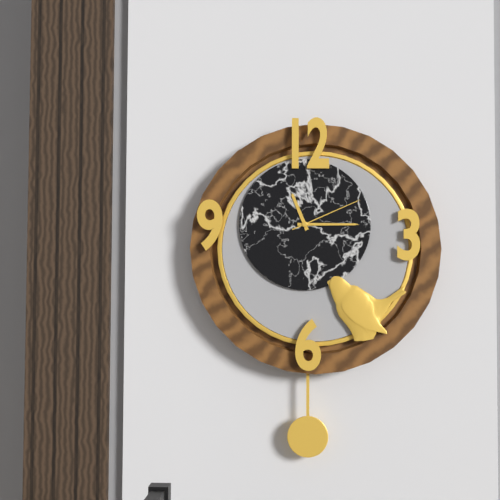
11:15:11
